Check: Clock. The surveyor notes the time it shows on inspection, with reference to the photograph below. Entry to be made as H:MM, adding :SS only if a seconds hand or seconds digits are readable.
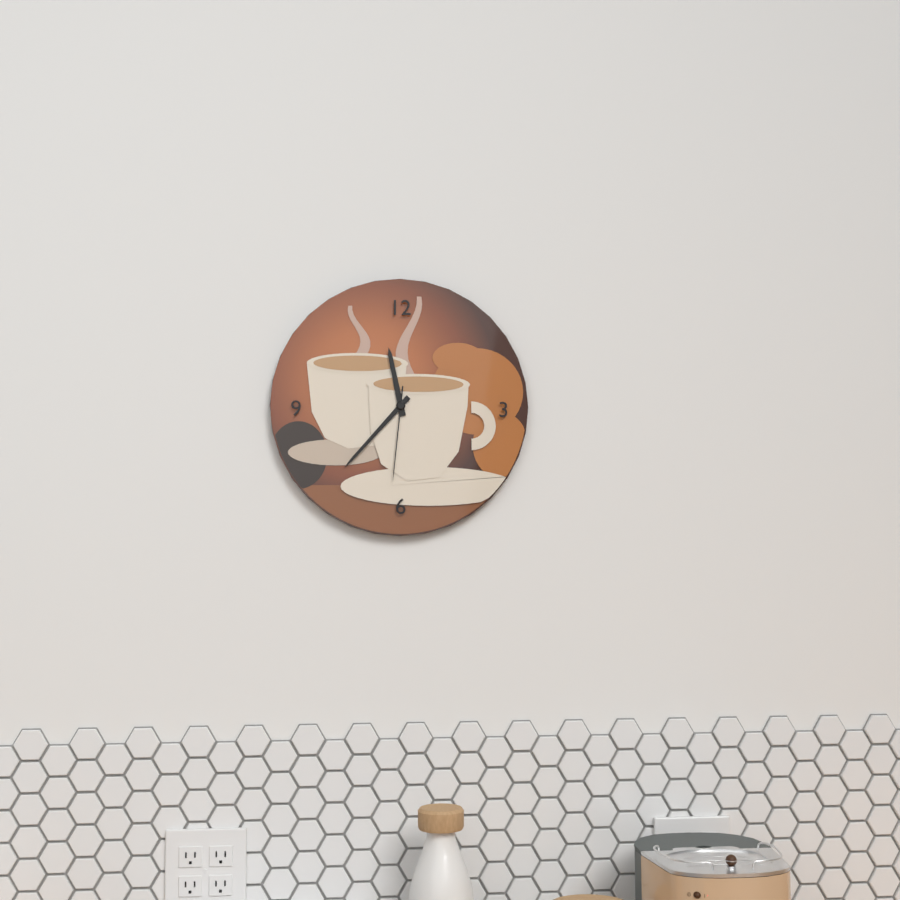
11:37:31
